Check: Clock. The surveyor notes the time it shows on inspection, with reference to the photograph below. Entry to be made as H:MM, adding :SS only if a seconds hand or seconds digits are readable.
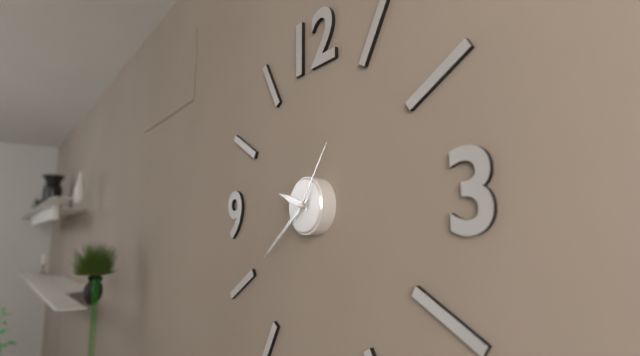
9:39:06
